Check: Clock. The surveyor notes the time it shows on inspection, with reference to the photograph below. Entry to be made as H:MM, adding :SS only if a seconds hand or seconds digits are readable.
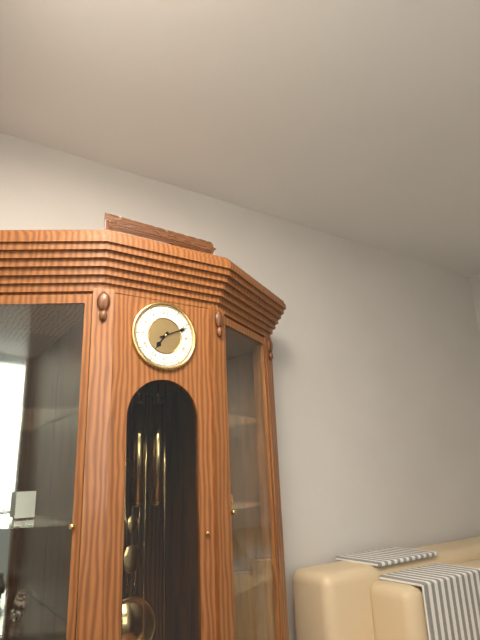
7:11
